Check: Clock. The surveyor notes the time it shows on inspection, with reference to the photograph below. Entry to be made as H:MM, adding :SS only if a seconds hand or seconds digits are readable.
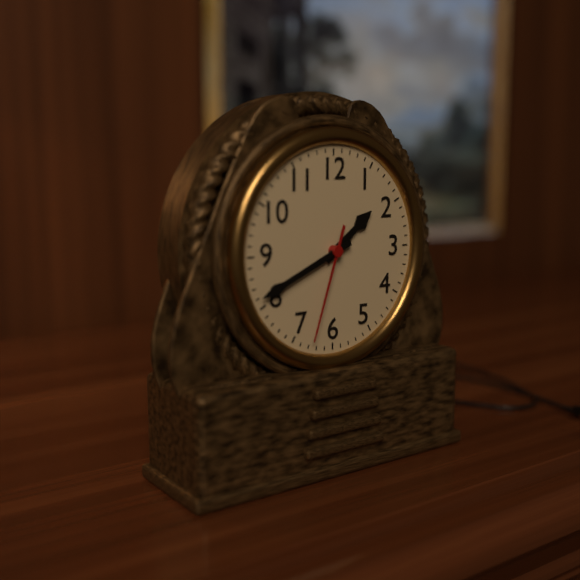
1:41:33
